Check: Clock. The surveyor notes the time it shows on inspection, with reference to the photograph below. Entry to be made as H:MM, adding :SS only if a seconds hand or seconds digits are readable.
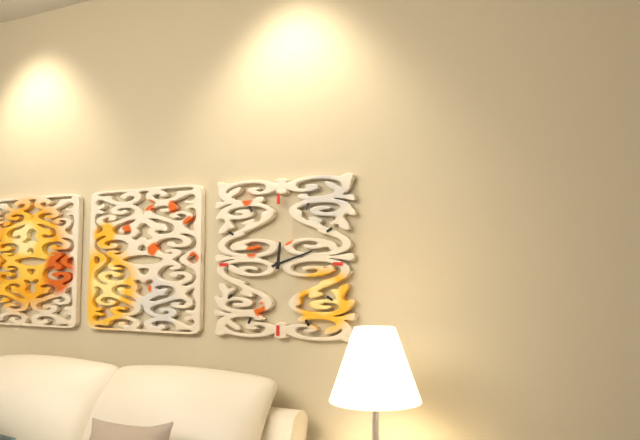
12:12
